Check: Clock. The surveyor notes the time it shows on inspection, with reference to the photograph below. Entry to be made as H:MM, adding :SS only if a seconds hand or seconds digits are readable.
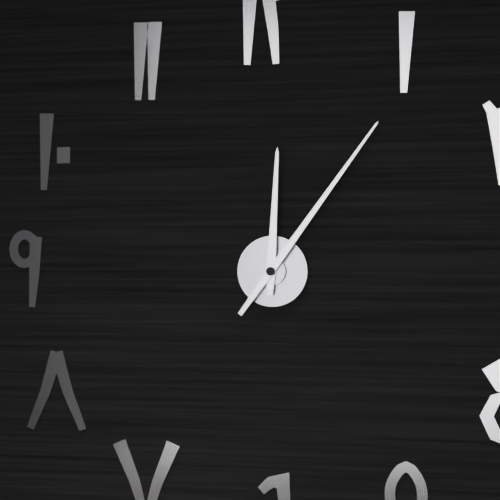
12:06
